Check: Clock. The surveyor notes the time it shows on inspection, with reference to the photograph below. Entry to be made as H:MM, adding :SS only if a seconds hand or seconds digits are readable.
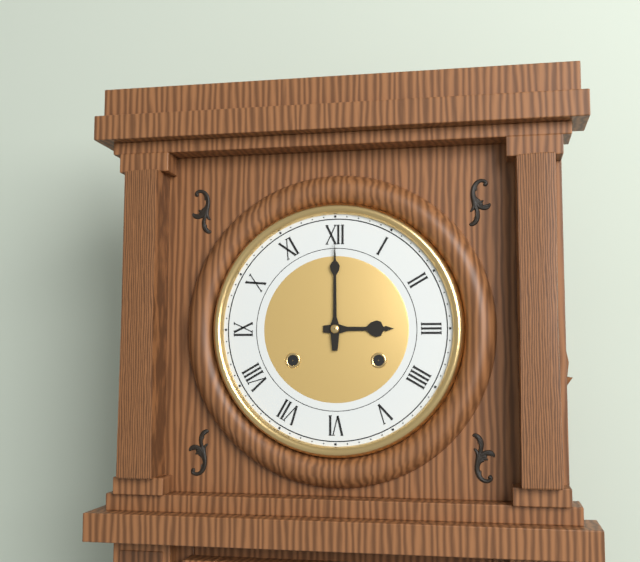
3:00
